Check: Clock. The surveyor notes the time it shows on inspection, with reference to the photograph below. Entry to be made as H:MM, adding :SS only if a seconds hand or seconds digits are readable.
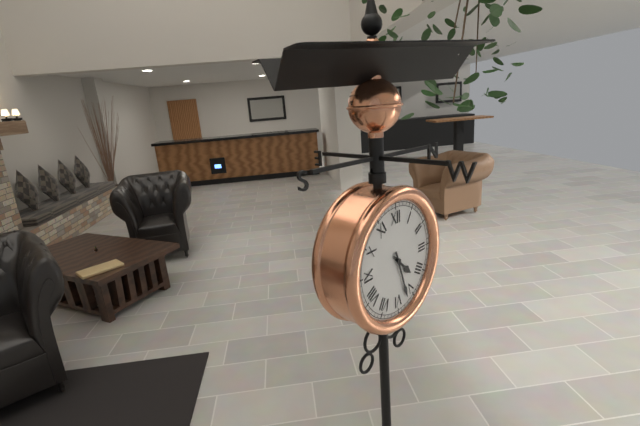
4:27
